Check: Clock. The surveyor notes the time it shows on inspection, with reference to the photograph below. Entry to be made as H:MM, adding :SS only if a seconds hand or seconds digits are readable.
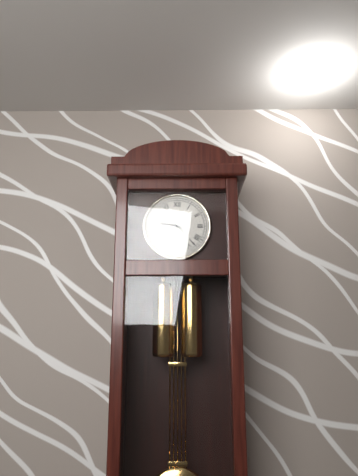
9:23
